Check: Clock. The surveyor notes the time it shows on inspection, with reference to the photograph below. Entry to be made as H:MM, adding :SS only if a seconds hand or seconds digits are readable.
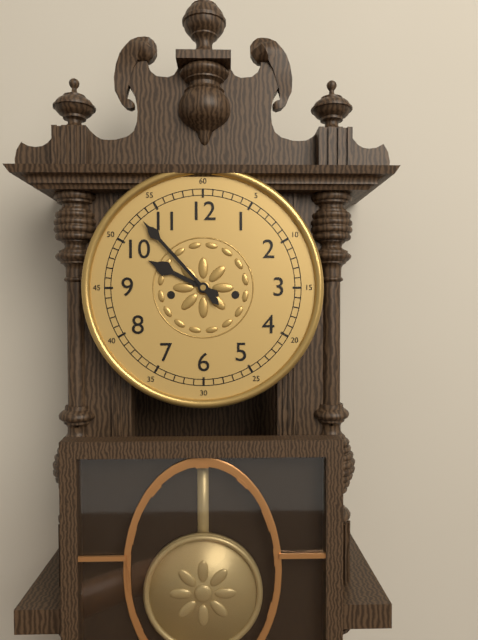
9:53
